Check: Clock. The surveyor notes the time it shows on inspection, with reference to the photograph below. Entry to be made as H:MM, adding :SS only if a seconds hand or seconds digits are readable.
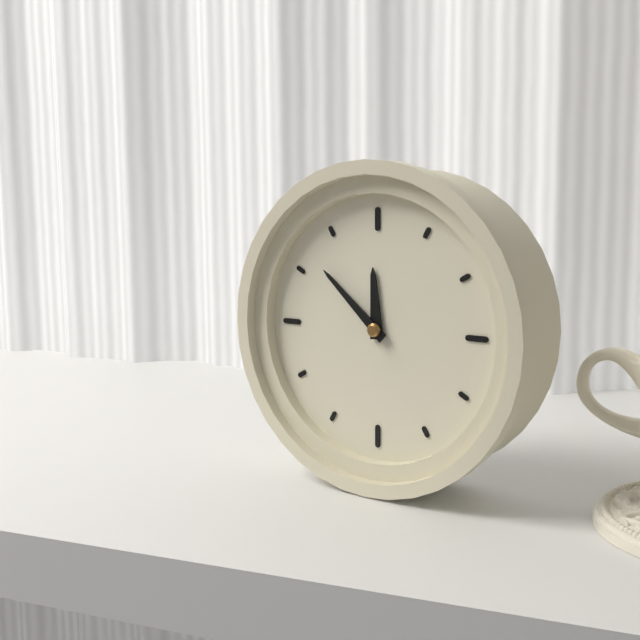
11:52
